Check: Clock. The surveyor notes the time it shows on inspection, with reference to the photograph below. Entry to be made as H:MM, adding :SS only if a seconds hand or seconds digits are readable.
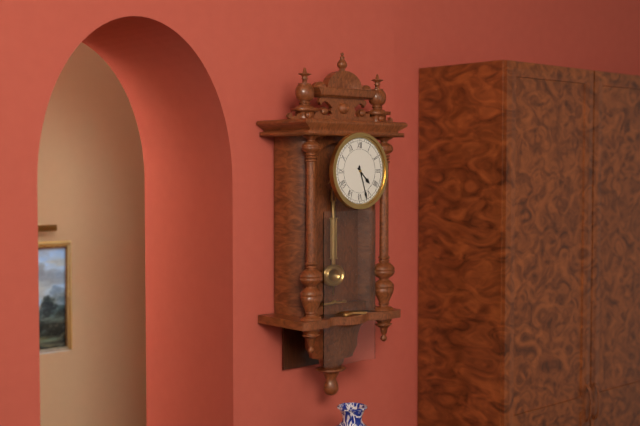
4:27
